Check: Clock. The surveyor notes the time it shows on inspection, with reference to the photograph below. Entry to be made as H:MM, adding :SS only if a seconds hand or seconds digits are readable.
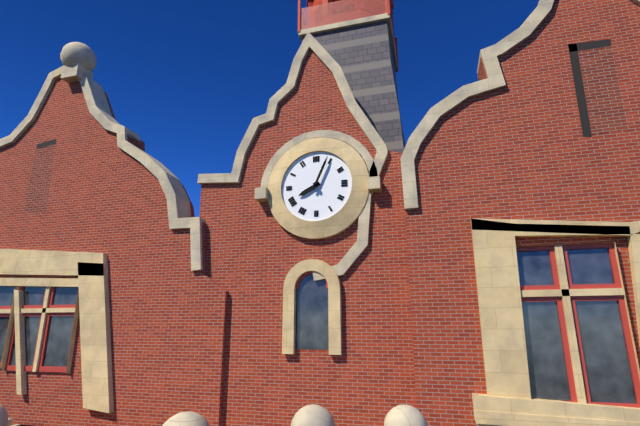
8:04
